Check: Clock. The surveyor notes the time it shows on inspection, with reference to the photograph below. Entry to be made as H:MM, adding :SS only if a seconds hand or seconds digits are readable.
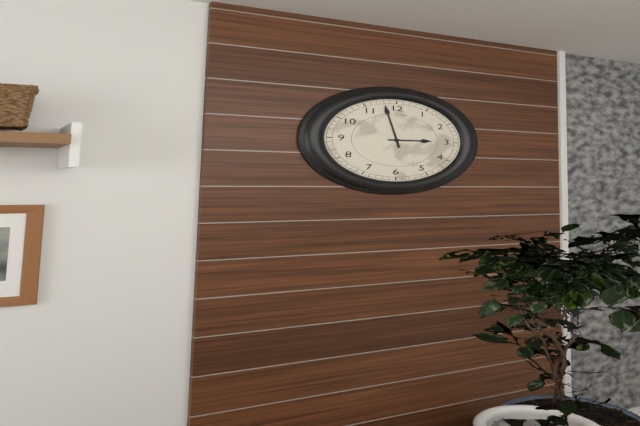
2:58
